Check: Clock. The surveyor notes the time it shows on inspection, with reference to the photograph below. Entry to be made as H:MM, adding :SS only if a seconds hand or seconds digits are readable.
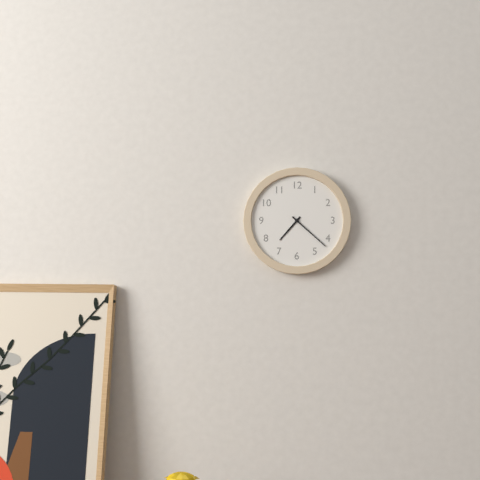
7:22
